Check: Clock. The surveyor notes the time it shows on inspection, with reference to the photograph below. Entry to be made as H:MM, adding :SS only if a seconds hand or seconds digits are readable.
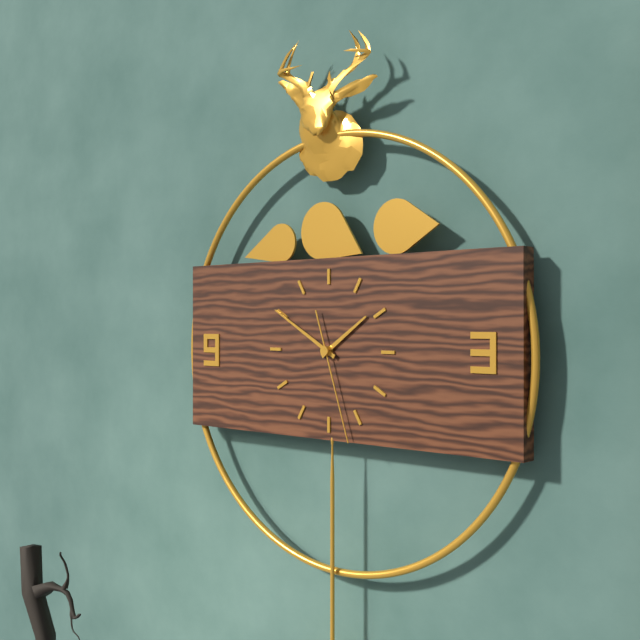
1:50:27
